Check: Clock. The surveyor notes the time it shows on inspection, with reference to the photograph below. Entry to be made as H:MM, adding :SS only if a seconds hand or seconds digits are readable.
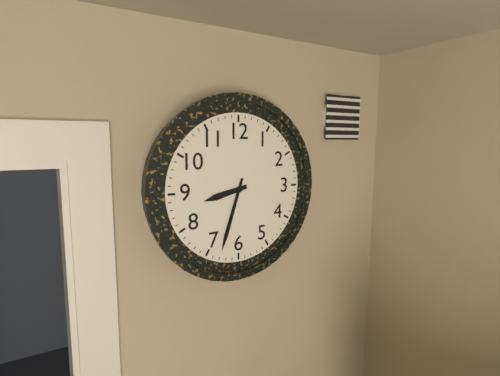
8:33
